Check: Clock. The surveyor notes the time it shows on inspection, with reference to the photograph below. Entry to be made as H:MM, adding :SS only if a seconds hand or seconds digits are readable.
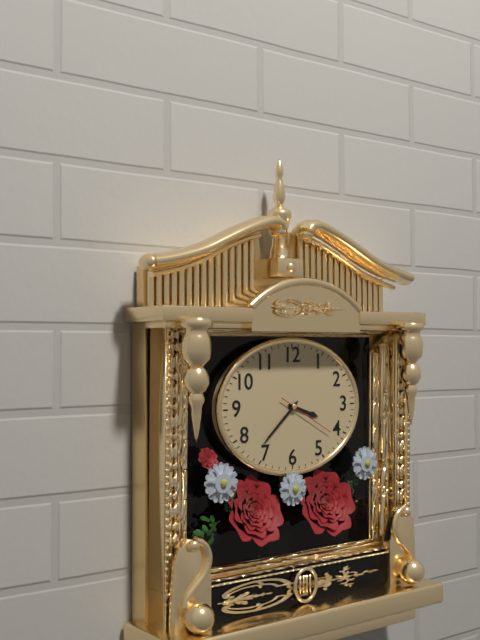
3:38:20
